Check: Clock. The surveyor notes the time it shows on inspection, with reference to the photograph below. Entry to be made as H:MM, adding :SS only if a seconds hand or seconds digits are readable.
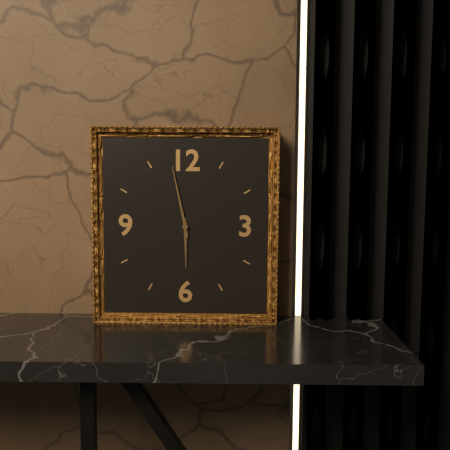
5:58
